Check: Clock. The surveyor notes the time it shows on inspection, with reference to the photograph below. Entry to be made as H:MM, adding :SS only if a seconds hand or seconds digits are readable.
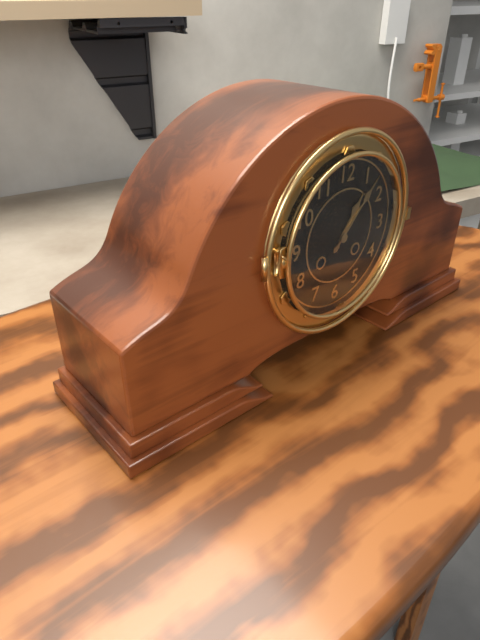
1:07
